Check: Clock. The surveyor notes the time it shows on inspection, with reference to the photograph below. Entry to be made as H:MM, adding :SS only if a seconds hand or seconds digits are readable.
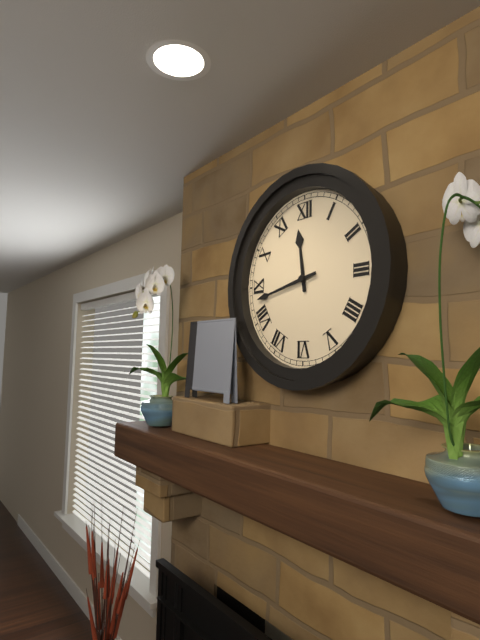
11:43
